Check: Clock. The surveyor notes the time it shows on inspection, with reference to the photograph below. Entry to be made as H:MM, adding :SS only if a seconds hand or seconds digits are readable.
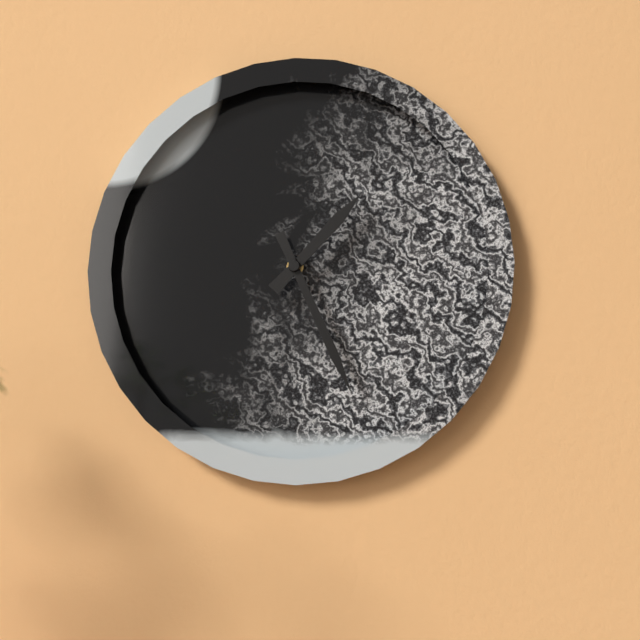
1:26
